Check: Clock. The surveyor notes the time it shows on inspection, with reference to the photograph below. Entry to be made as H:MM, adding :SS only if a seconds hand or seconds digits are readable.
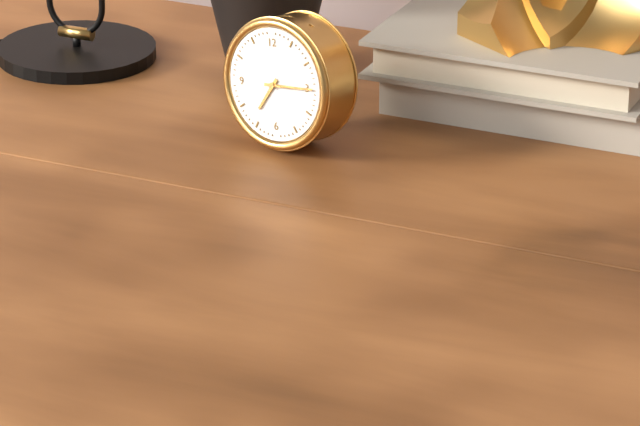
7:15
